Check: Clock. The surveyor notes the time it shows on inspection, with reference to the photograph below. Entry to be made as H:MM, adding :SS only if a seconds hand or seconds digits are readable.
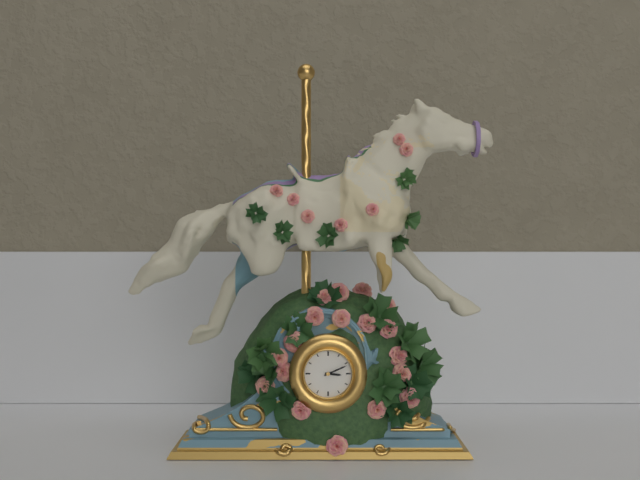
3:11
